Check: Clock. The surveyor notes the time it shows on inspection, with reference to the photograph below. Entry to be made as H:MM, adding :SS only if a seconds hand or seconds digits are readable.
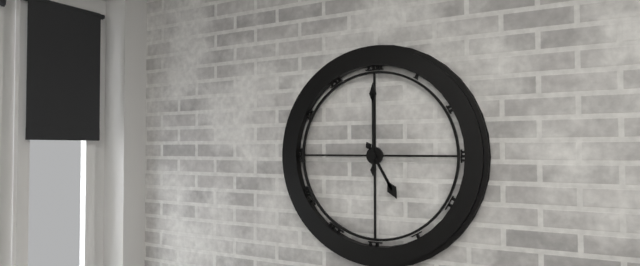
5:00
